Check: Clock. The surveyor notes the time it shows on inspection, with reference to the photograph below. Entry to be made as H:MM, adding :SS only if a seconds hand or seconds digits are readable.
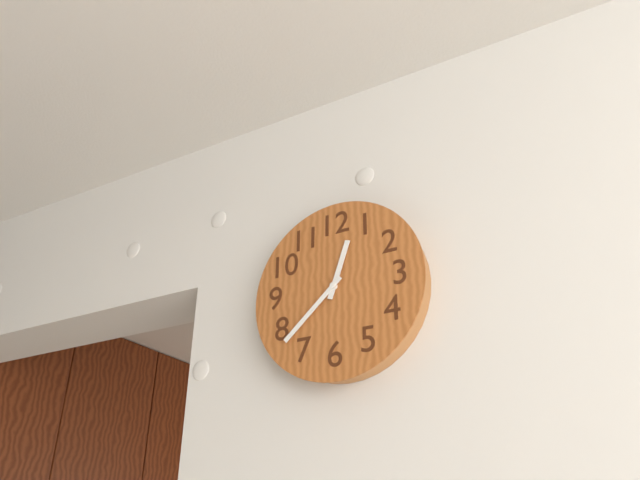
12:38
